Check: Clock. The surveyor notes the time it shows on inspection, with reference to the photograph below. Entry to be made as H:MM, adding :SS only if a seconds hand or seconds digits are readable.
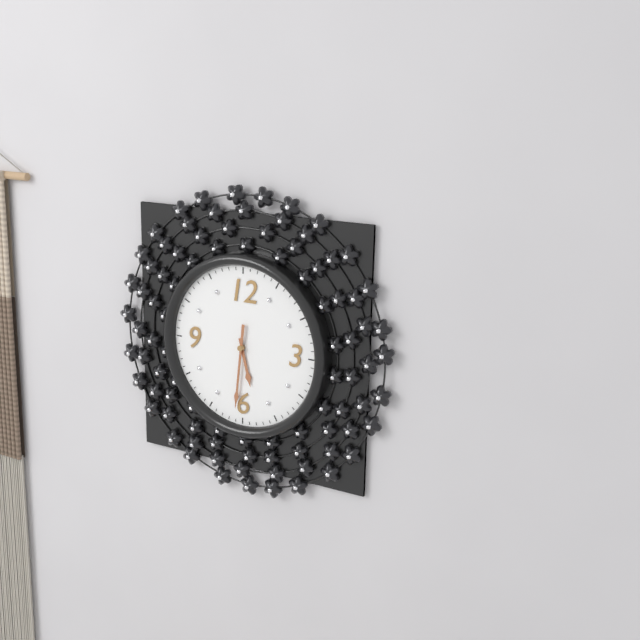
5:31
